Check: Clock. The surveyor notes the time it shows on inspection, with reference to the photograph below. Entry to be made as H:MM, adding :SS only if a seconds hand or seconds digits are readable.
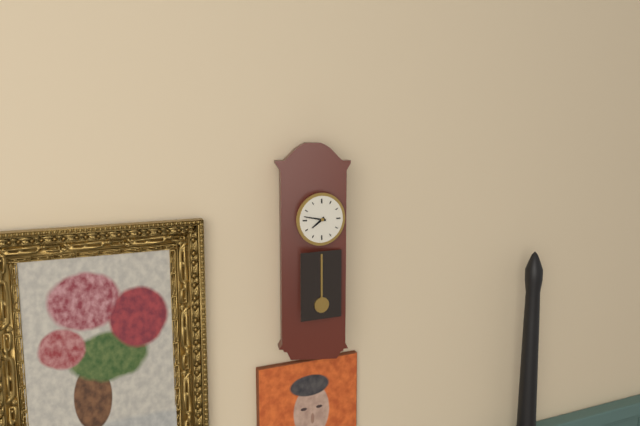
7:47
